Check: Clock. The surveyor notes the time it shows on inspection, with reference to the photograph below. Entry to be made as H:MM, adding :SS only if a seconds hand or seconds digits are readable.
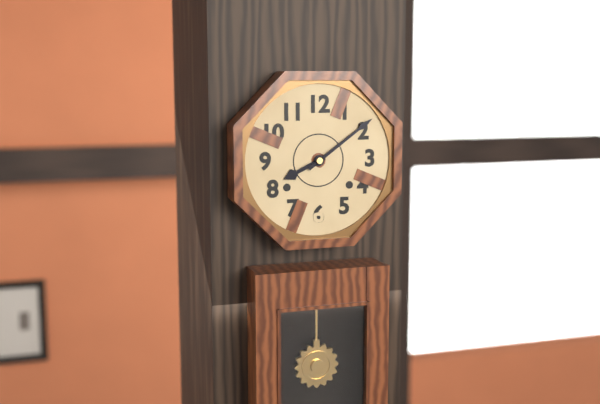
8:09
